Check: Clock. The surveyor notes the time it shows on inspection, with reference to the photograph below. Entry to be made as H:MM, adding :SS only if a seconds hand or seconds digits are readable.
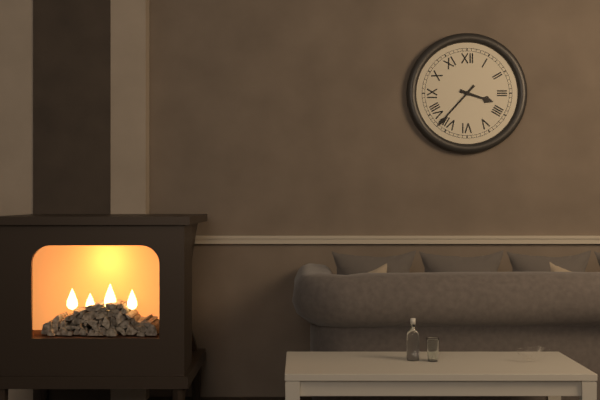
3:37
